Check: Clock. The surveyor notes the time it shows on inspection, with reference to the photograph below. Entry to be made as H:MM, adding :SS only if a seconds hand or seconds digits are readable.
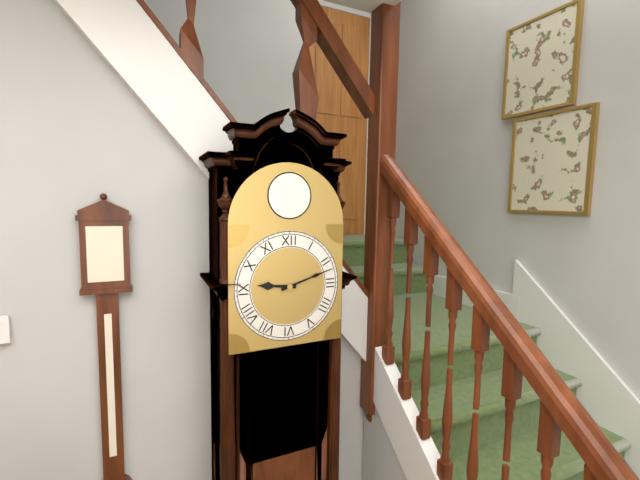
9:12
